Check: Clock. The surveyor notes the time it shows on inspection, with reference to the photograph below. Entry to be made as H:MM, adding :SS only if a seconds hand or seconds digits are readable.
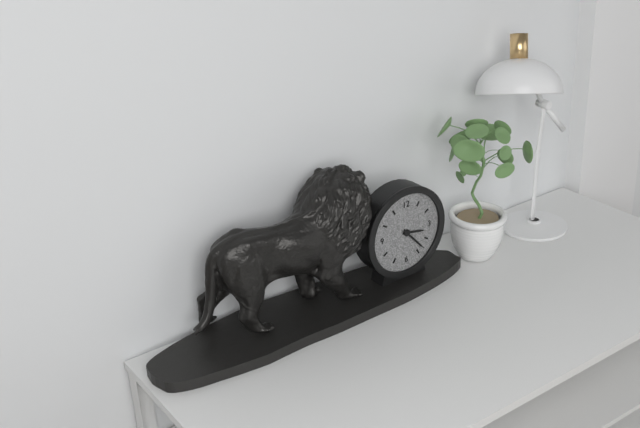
3:23
